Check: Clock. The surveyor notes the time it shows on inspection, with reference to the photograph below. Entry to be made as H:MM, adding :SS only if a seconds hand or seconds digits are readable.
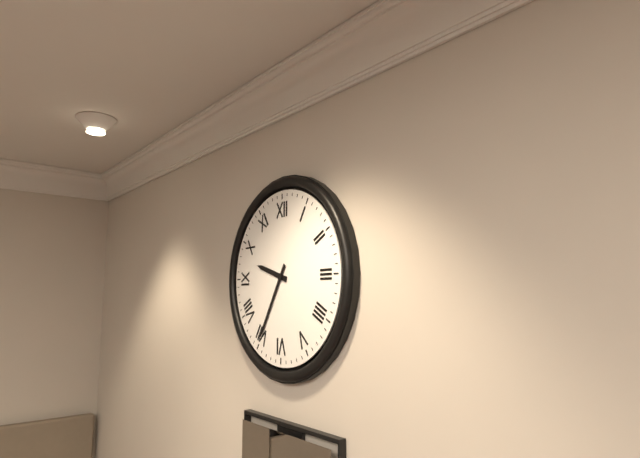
9:35
